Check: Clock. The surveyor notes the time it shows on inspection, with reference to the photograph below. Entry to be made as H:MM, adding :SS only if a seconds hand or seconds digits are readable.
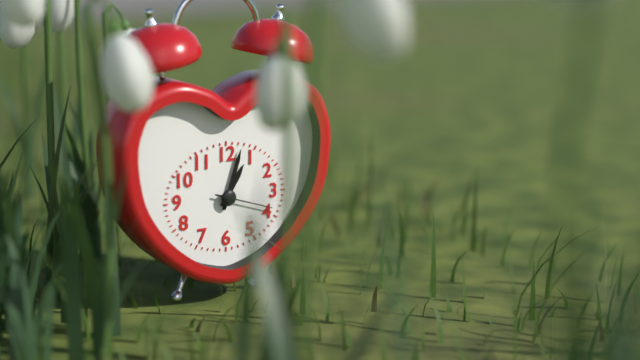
1:03:18
